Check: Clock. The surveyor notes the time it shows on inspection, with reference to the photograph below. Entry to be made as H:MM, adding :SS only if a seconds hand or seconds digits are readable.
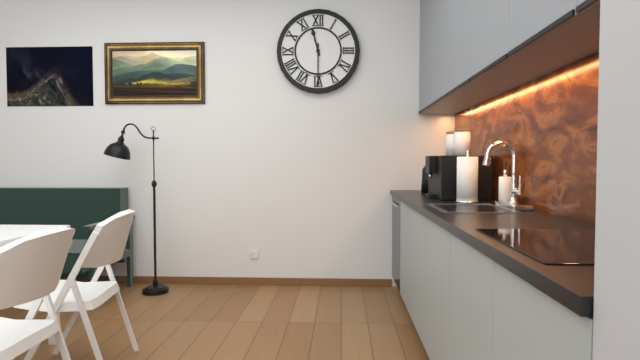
11:30
